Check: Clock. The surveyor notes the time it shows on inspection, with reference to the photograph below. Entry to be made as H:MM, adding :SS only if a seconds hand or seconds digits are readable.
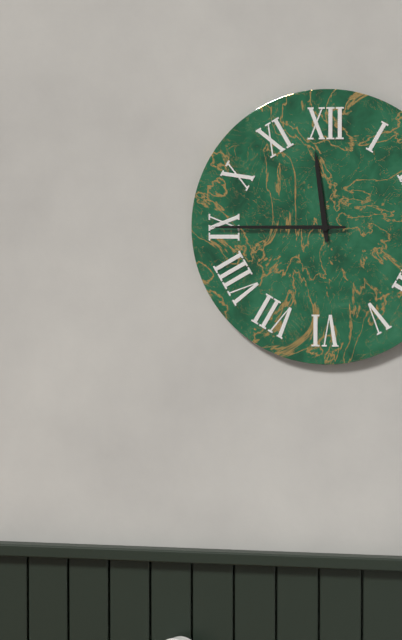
11:45
